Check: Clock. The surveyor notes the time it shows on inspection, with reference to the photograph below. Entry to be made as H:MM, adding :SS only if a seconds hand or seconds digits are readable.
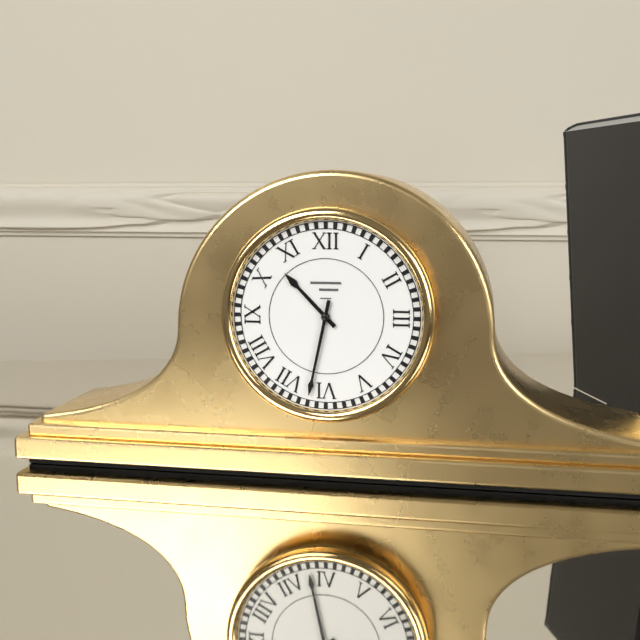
10:32
